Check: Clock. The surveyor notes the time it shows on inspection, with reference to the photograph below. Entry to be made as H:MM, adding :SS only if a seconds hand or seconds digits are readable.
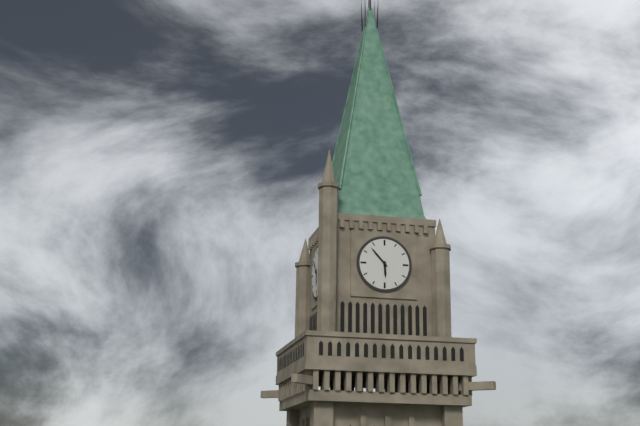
5:53
